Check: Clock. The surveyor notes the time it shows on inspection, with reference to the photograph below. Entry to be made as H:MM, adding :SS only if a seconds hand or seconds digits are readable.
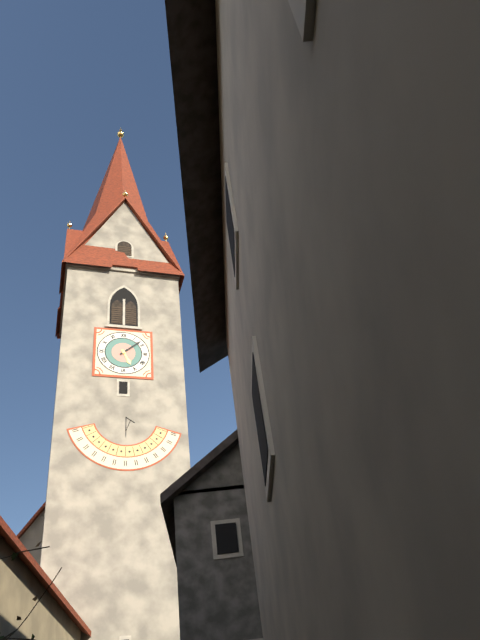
5:08
